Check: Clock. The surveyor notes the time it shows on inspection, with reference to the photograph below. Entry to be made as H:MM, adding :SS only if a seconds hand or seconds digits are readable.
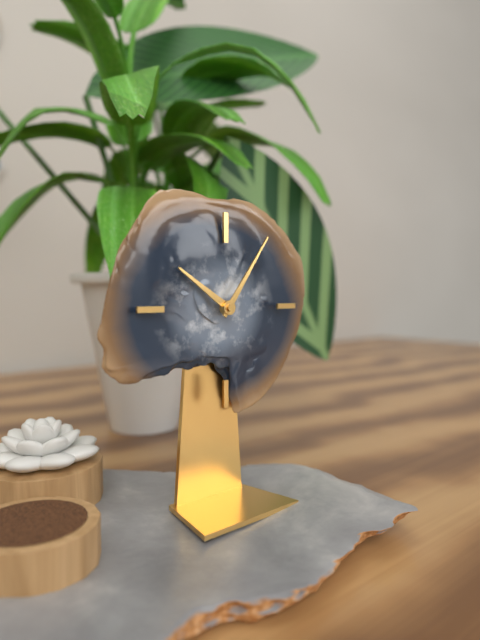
10:06
